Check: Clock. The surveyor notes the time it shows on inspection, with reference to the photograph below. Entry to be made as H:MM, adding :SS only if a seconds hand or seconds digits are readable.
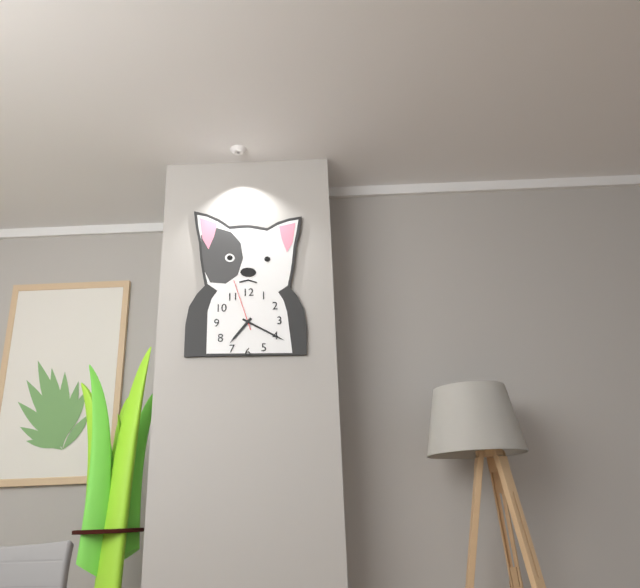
7:20:57
